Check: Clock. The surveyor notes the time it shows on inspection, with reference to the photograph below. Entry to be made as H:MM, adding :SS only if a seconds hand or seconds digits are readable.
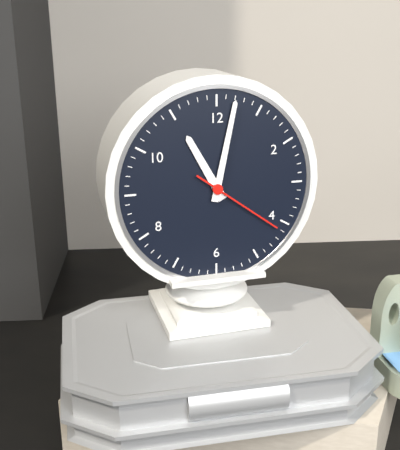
11:02:21
